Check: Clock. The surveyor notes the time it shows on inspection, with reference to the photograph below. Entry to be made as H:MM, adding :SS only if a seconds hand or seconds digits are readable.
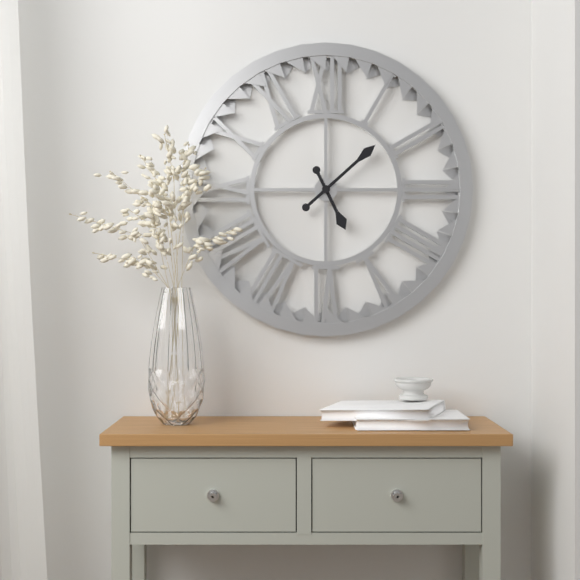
5:08
